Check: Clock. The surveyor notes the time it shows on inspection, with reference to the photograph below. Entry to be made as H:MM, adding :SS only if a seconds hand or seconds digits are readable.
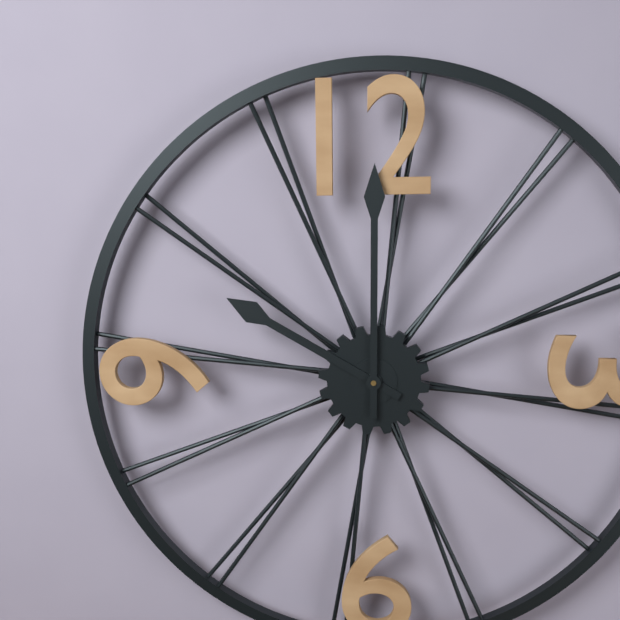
10:00
